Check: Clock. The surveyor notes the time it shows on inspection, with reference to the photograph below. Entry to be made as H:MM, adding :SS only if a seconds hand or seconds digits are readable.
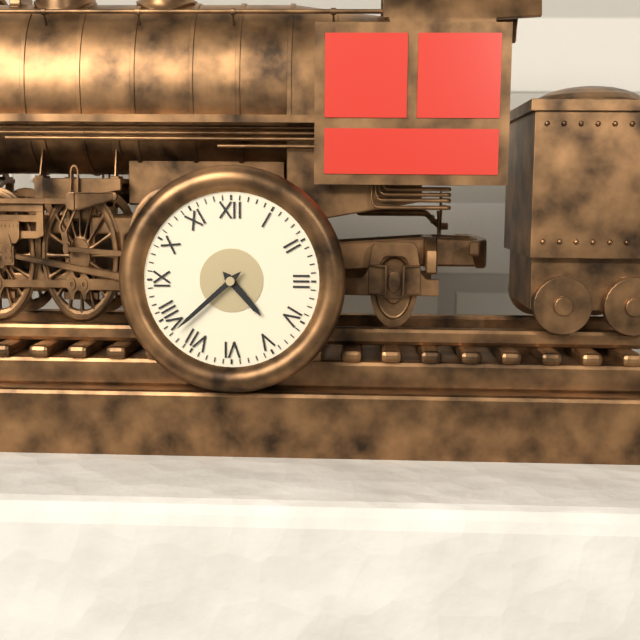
4:38
